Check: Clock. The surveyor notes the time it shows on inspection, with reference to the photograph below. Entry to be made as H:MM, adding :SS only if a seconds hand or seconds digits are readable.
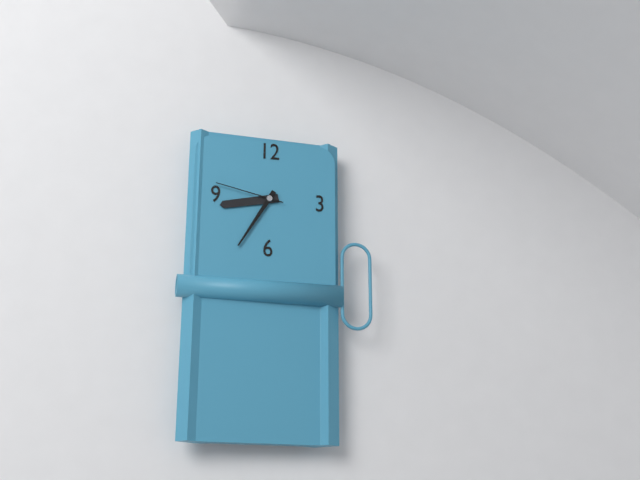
8:35:47
